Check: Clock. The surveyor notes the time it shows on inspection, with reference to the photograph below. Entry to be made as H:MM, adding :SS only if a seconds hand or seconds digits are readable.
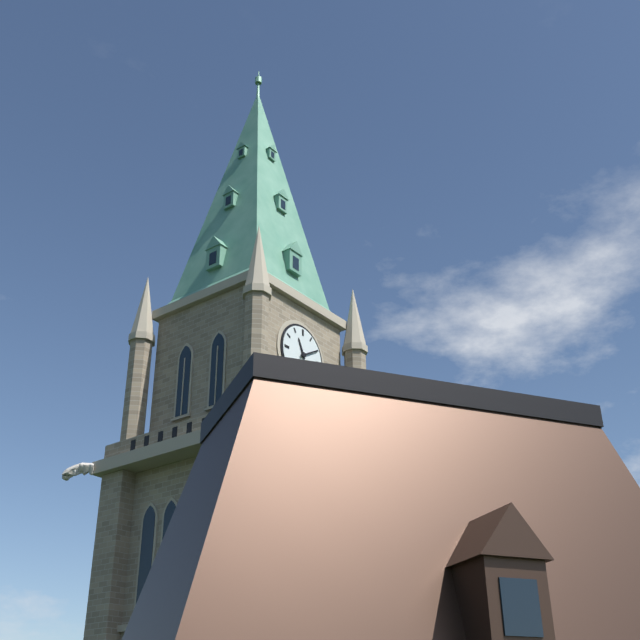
11:10
